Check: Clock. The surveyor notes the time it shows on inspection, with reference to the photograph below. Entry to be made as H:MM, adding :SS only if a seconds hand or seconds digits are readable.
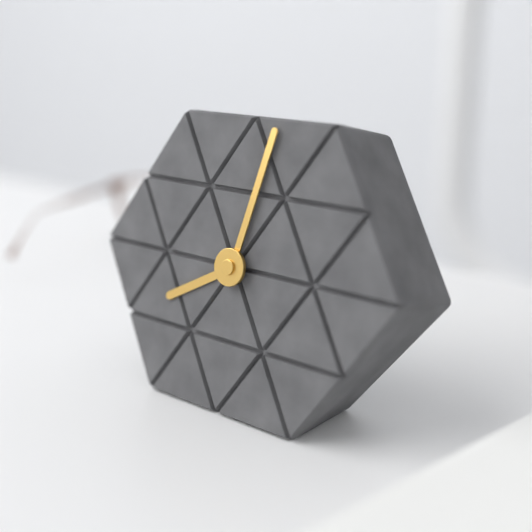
8:02
